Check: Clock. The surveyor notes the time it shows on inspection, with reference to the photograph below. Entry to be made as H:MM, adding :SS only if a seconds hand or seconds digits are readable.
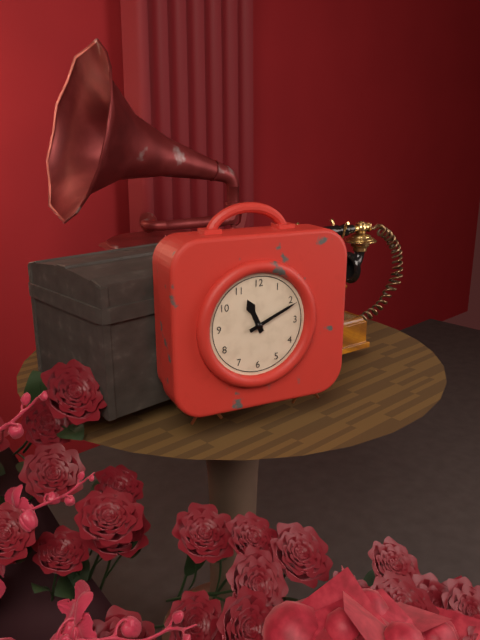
11:11
